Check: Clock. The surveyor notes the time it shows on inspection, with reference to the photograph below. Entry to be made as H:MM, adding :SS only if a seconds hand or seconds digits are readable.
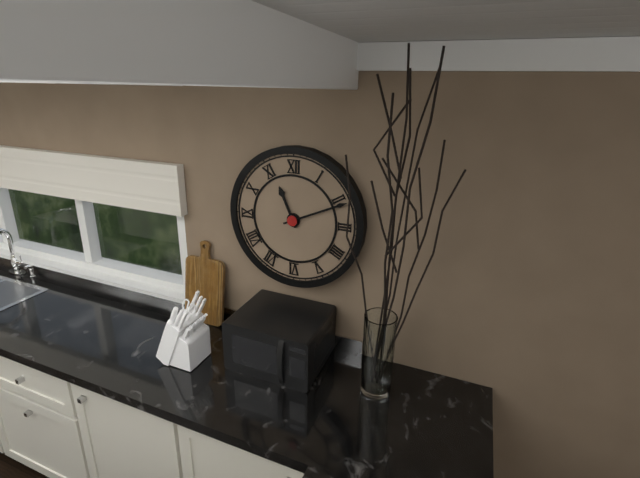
11:11
